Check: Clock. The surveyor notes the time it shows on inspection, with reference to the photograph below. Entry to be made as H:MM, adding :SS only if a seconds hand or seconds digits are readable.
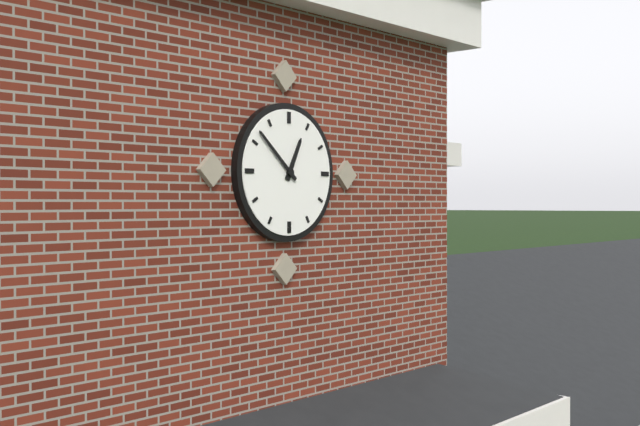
12:52
